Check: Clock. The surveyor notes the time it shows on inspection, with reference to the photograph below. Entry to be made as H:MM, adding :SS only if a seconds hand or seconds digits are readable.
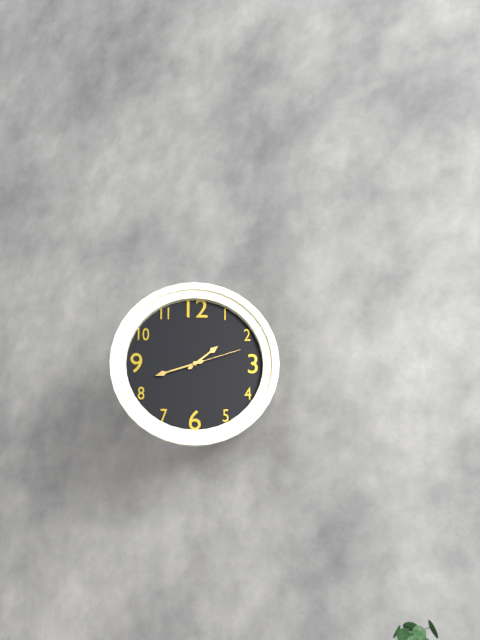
1:42:12
